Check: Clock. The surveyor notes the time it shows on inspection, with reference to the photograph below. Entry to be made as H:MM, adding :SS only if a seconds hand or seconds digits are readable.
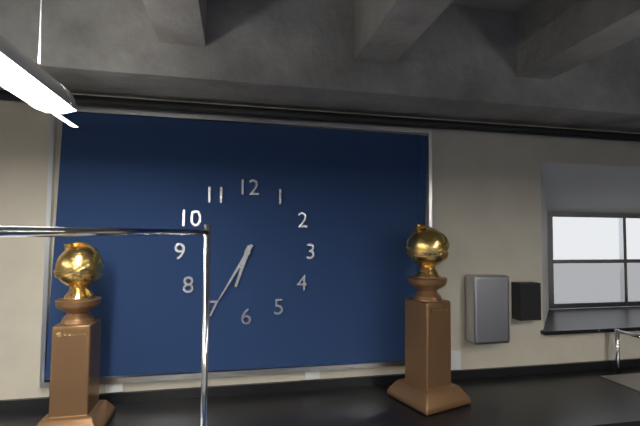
6:35
